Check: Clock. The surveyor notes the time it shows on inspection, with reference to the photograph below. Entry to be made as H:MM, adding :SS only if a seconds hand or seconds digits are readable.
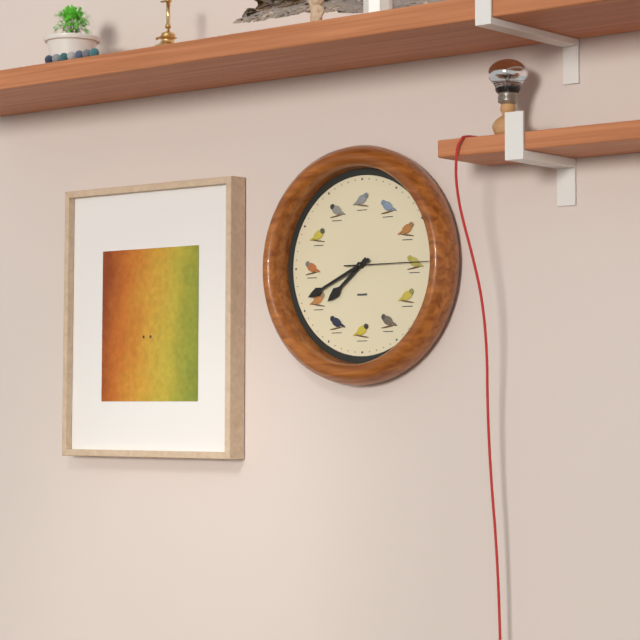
7:41:15
